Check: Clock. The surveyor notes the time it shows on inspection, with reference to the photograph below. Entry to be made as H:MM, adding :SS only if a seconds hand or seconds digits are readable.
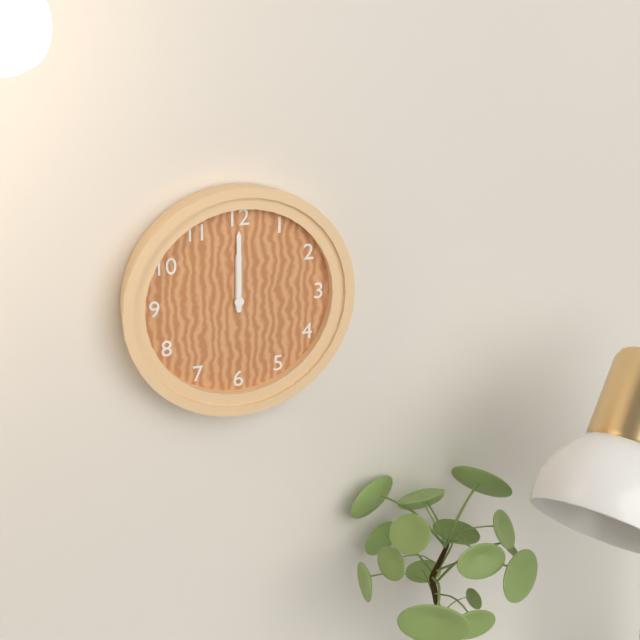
12:00
